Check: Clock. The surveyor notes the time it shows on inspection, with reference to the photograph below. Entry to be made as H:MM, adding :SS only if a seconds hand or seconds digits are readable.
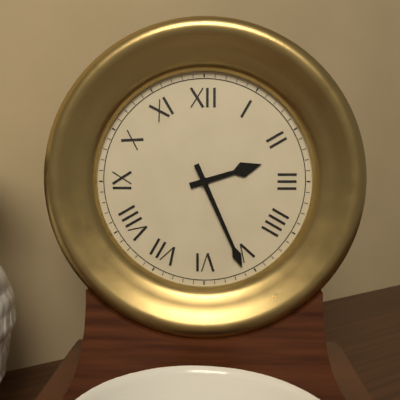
2:26
